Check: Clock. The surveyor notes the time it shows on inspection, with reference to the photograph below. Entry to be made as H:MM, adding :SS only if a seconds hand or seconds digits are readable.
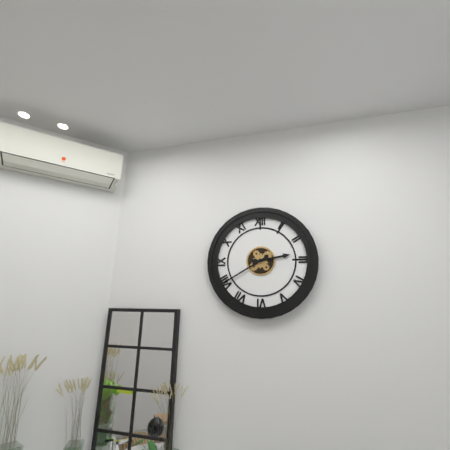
2:40
